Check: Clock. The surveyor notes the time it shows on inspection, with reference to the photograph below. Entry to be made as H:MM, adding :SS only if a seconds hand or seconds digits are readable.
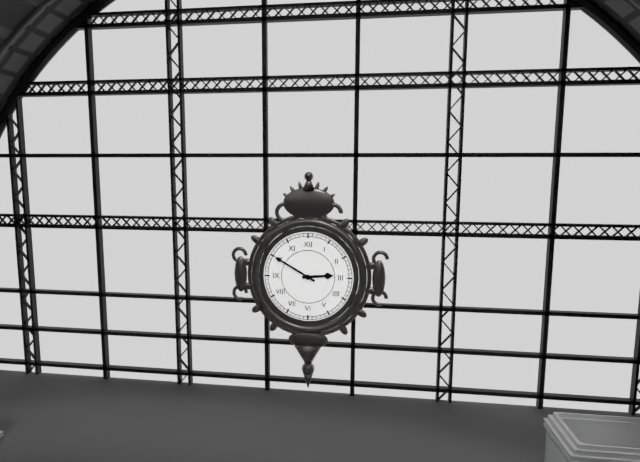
2:50
